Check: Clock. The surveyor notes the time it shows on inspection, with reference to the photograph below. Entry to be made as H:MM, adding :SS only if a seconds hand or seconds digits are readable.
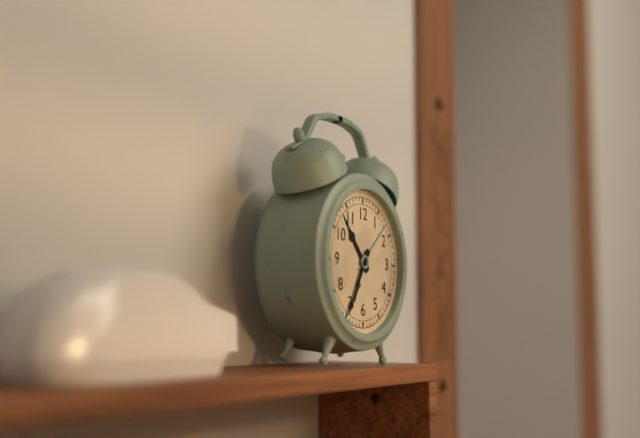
10:35
